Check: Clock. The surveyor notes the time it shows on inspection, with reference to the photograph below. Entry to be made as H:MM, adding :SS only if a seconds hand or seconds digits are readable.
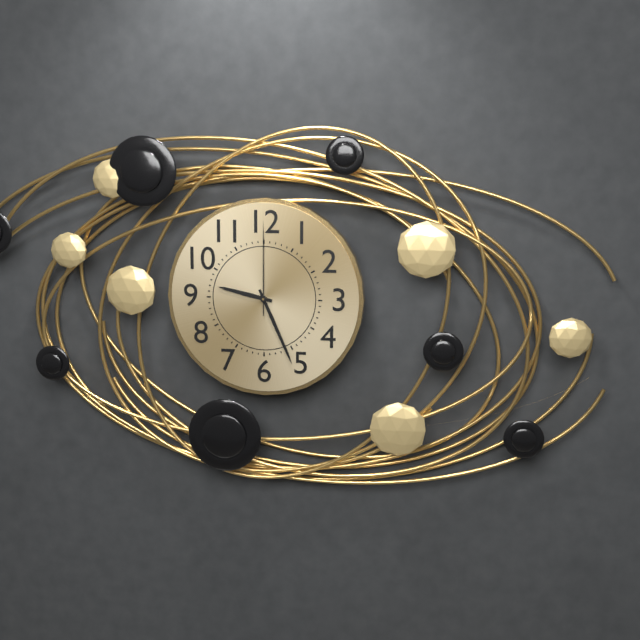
9:26:00
